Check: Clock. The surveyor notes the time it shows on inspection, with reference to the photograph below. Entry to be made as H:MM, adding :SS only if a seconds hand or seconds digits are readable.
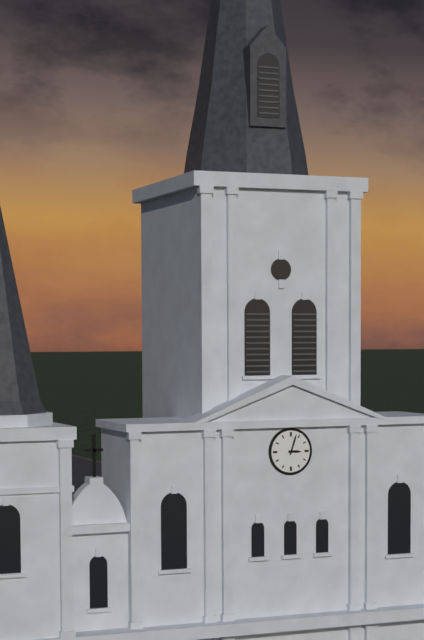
3:03
